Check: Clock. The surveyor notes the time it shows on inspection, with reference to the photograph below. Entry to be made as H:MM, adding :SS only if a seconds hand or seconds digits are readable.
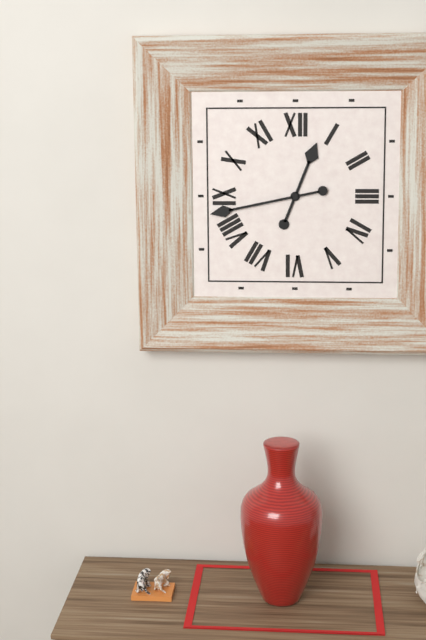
12:43
